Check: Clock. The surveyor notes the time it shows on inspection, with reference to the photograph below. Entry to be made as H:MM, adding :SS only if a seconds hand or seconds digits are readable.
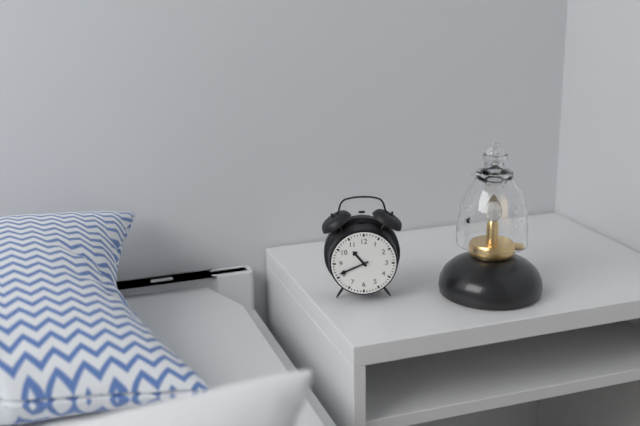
10:41
